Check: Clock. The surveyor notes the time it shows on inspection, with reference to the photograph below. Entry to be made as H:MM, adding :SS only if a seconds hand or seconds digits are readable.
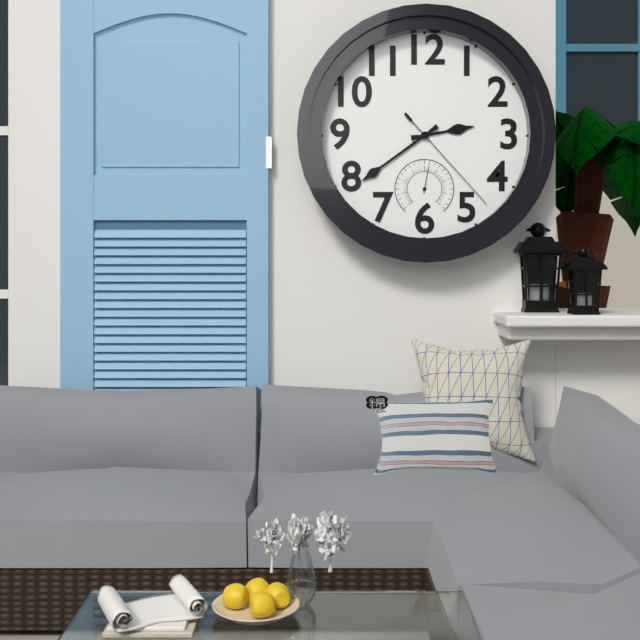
2:39:23
